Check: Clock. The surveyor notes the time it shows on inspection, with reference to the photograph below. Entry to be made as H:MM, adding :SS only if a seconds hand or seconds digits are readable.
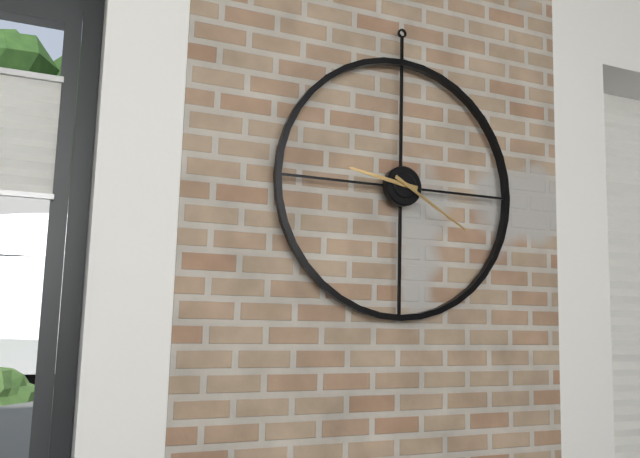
9:20
